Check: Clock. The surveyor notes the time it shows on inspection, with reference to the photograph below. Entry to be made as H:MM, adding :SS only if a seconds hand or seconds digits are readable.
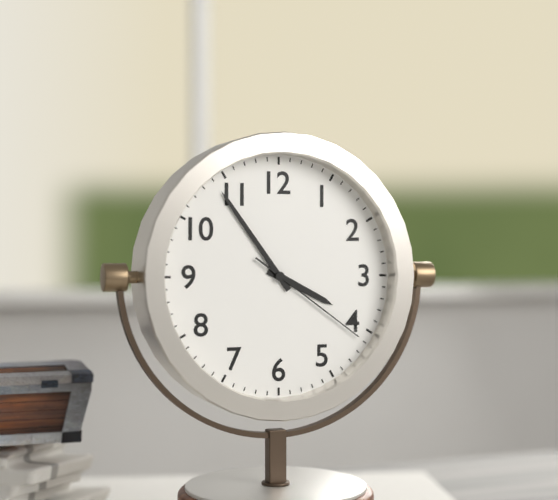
3:54:21
